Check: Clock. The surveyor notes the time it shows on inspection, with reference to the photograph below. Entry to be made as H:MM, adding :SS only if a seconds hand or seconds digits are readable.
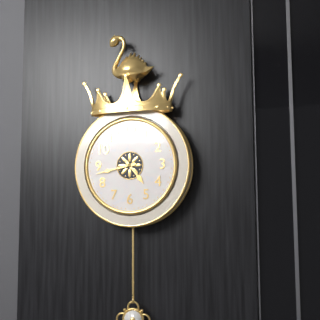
4:43
